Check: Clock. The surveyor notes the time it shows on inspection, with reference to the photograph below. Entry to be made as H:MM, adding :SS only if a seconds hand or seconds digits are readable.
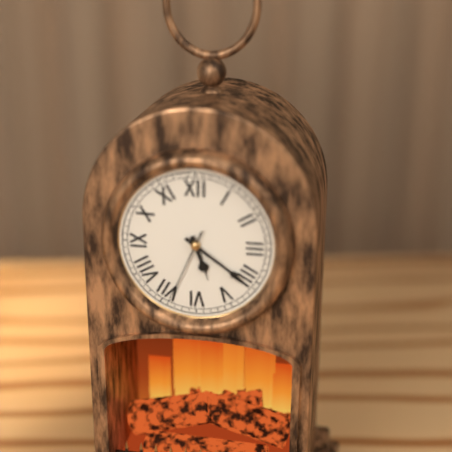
5:21:34
